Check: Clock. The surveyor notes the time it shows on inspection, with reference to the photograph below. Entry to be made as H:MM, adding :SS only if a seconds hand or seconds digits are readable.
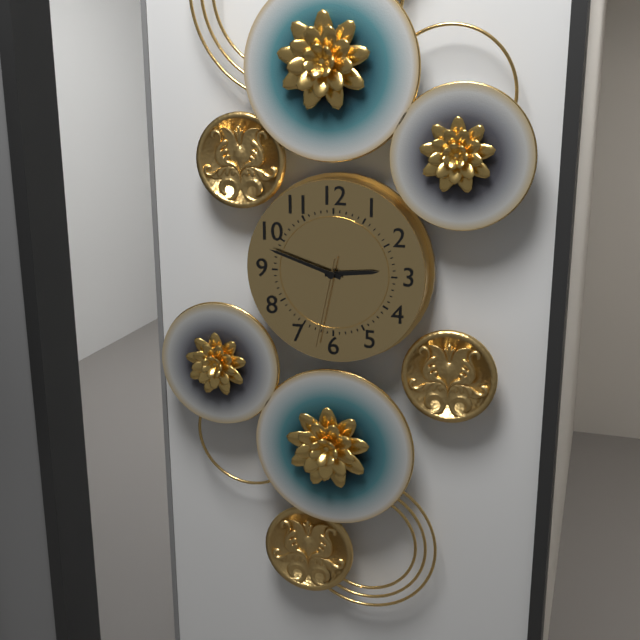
2:48:32
